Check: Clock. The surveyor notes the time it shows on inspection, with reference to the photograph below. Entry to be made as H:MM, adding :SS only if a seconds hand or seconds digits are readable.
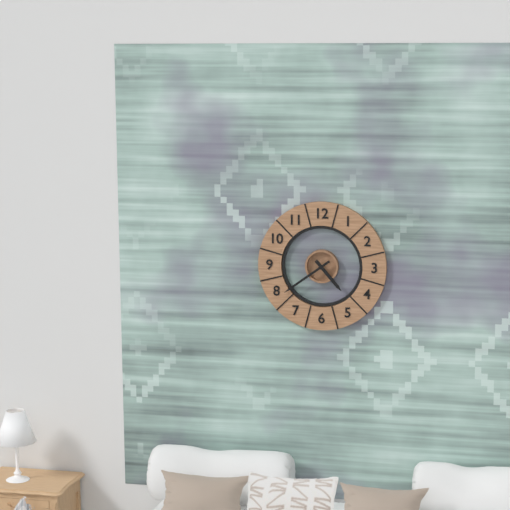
4:39
